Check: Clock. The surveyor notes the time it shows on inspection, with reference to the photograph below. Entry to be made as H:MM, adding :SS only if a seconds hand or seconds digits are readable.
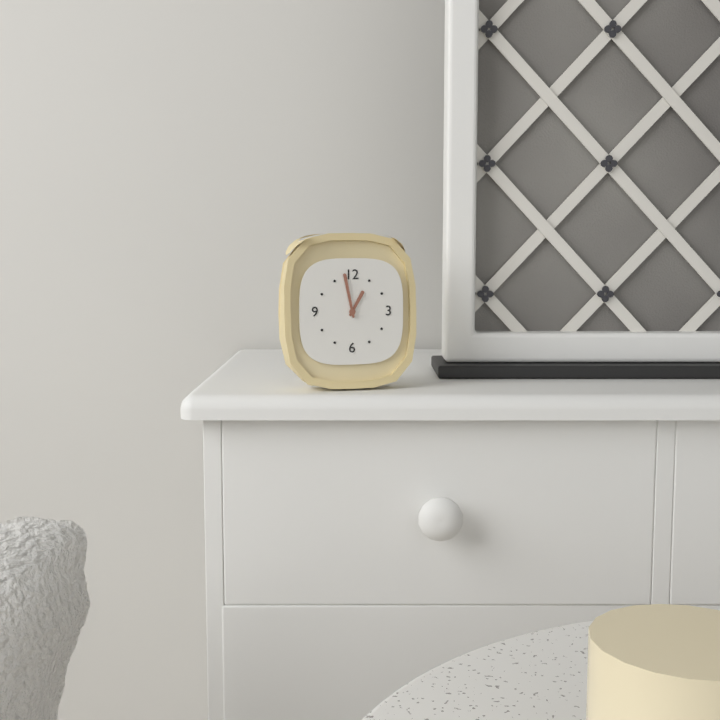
12:58
